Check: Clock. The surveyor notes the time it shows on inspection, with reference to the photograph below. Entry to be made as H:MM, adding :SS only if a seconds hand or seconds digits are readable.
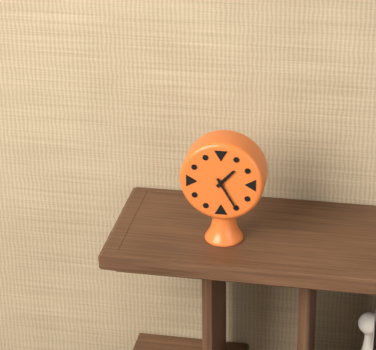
1:25
